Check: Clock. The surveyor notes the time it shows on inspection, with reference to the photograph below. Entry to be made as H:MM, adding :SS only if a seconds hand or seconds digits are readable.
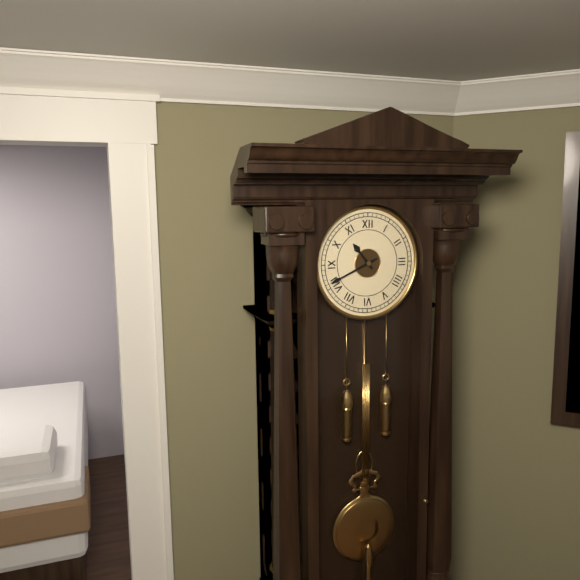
10:41
